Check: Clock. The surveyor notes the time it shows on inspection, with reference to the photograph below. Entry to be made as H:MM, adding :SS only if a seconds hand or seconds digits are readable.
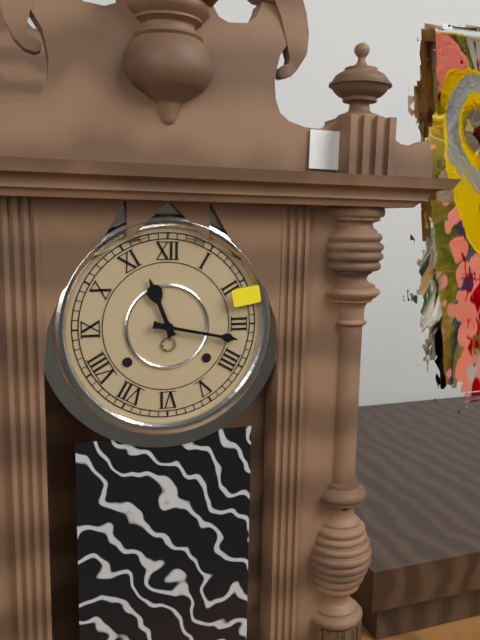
11:17
